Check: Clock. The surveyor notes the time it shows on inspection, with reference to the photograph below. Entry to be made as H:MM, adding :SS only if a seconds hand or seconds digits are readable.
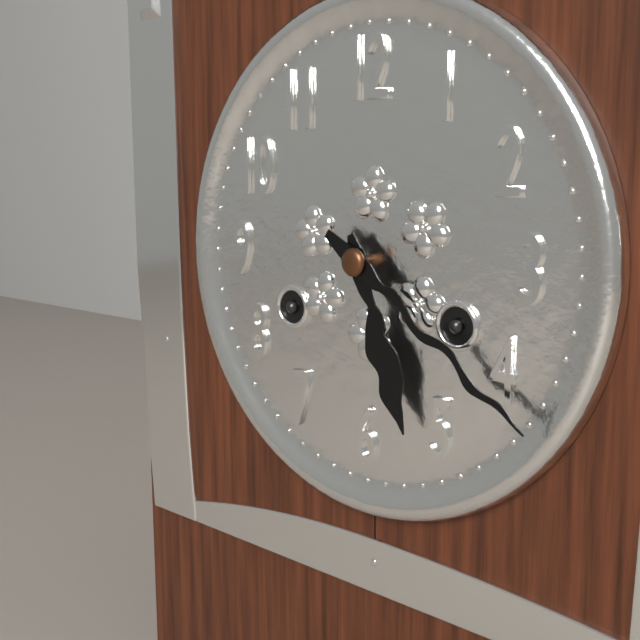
5:21
